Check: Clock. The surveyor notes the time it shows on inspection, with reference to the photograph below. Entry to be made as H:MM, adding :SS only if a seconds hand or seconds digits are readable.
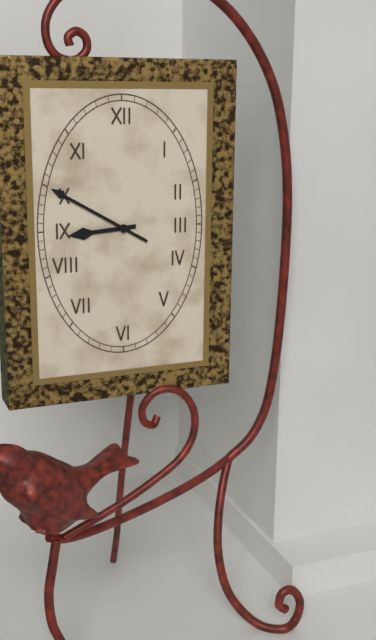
8:50
